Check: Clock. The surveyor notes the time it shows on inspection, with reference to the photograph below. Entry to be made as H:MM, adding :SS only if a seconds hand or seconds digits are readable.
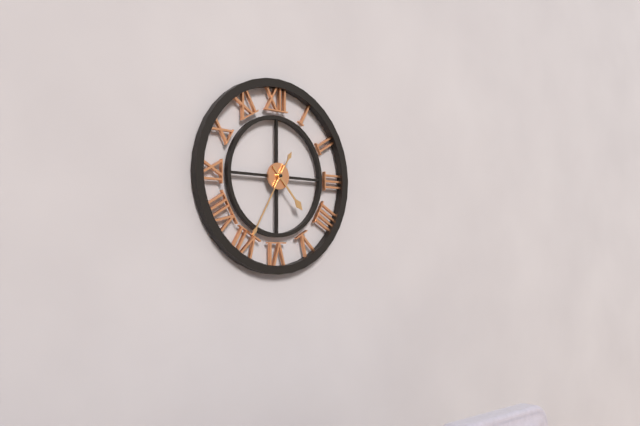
4:35
